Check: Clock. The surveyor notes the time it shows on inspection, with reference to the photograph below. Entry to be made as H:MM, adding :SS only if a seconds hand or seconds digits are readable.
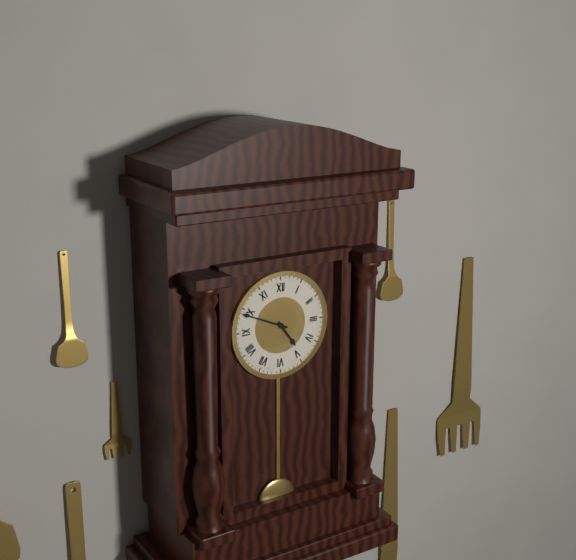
4:49
